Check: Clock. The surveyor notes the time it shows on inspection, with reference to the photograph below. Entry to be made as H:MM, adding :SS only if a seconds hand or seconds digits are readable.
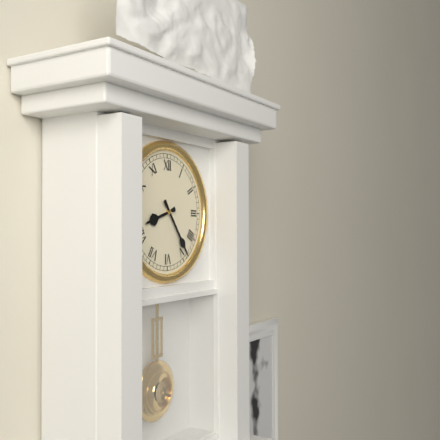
8:24
